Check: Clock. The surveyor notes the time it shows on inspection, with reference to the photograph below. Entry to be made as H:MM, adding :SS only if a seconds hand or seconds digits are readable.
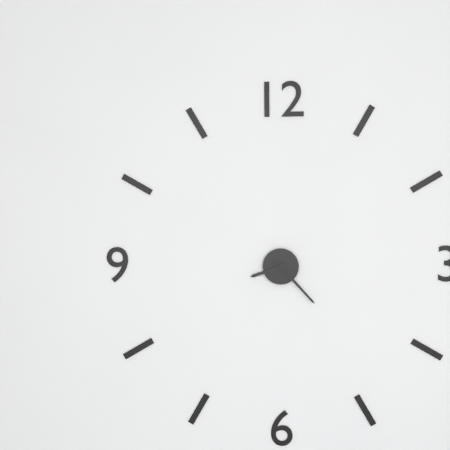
8:23
